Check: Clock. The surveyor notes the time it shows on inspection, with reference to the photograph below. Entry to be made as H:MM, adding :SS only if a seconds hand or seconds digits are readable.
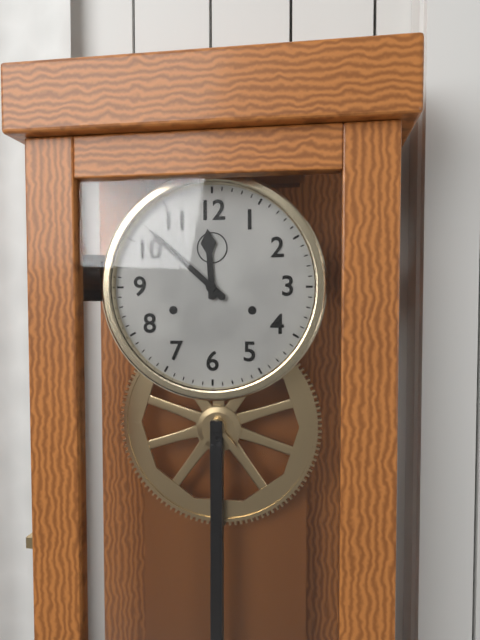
11:52
